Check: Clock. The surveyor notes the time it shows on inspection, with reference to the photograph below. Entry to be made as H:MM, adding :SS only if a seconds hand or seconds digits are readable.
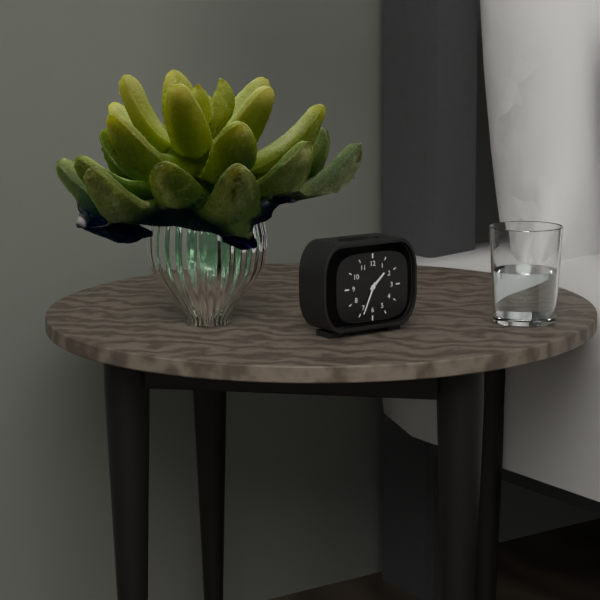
1:34
